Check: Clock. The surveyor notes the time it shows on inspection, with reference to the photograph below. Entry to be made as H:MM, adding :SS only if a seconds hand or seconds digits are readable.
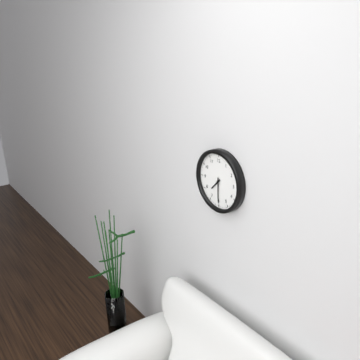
7:30
